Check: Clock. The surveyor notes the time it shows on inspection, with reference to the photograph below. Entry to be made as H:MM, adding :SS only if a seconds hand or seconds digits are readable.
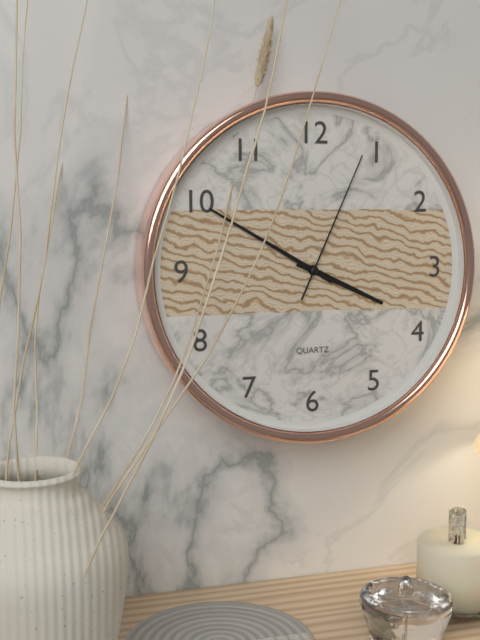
3:50:04
